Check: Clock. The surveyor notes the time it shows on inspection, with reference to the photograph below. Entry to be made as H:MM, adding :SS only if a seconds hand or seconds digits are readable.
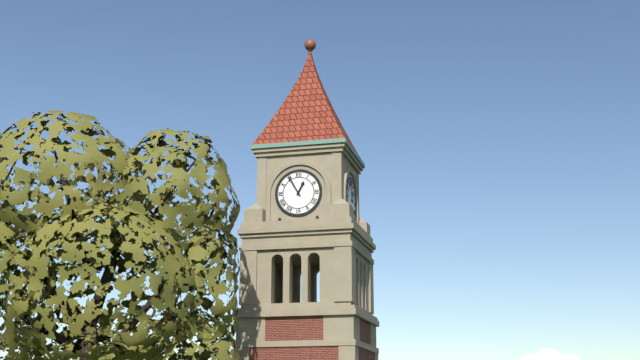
12:55
